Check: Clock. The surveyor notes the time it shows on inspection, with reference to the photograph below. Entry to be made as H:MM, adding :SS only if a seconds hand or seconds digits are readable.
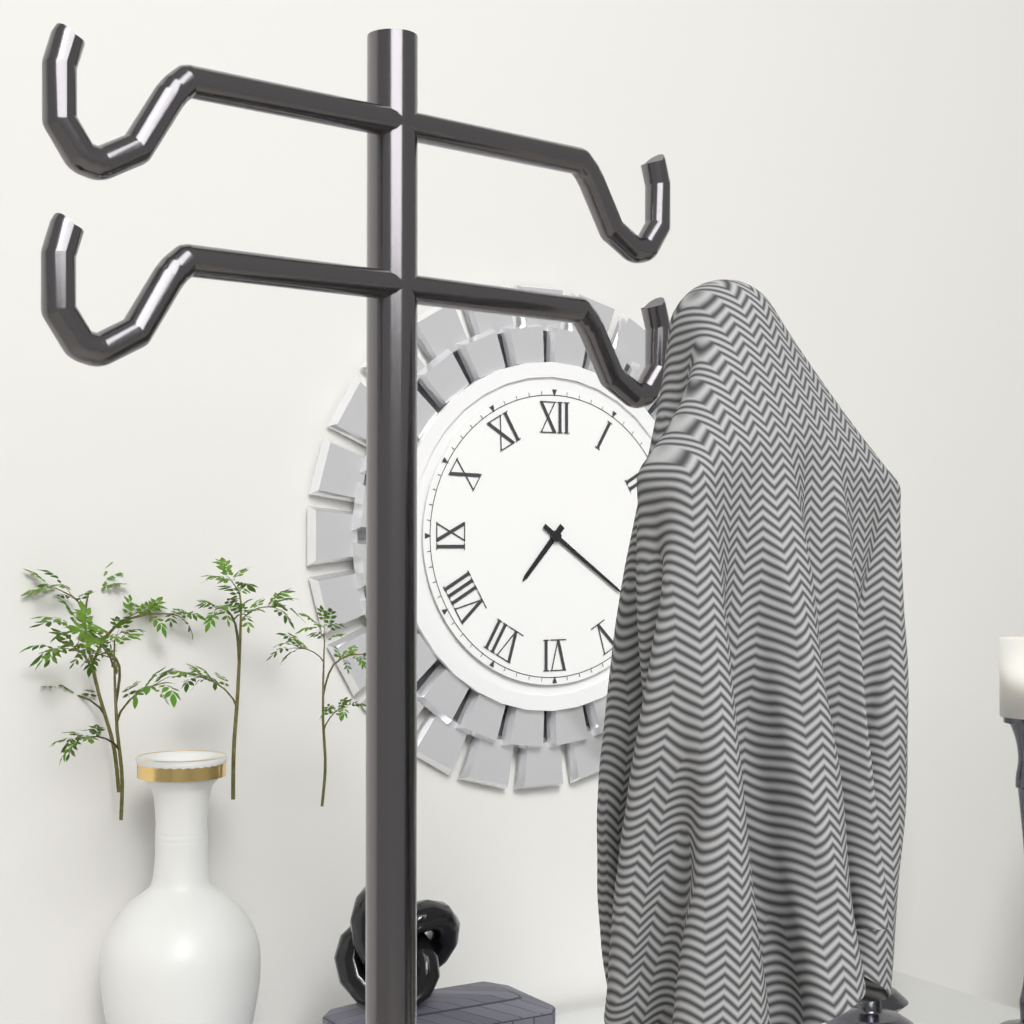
7:21
